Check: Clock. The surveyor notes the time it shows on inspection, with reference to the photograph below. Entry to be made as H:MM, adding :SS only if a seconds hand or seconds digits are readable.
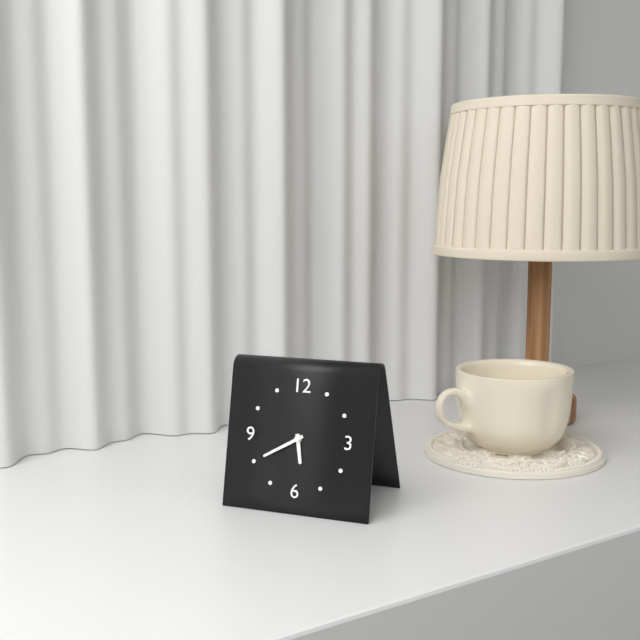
5:40
